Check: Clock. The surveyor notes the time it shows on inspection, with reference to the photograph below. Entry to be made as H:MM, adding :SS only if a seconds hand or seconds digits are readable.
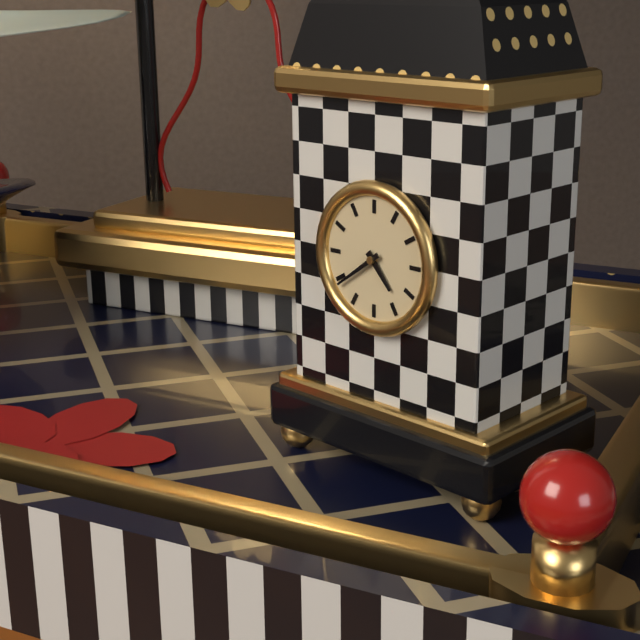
4:39
